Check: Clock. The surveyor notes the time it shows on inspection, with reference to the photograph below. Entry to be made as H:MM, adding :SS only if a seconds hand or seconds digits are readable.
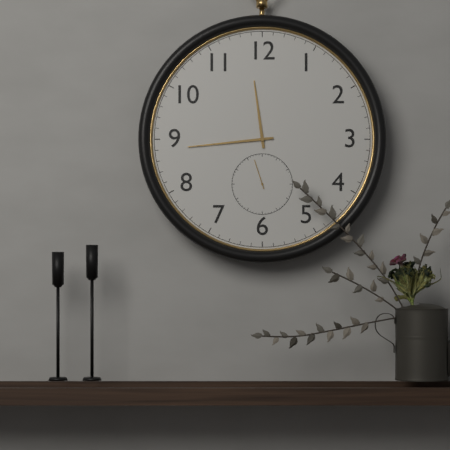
11:44
